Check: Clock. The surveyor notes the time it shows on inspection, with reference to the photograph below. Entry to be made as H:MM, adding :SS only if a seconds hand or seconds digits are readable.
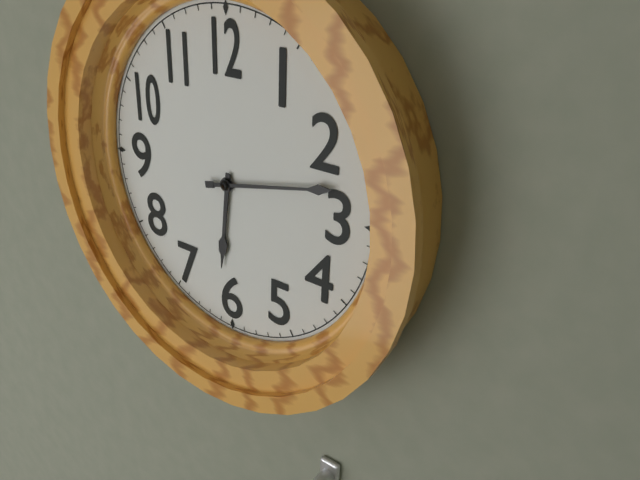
6:13
